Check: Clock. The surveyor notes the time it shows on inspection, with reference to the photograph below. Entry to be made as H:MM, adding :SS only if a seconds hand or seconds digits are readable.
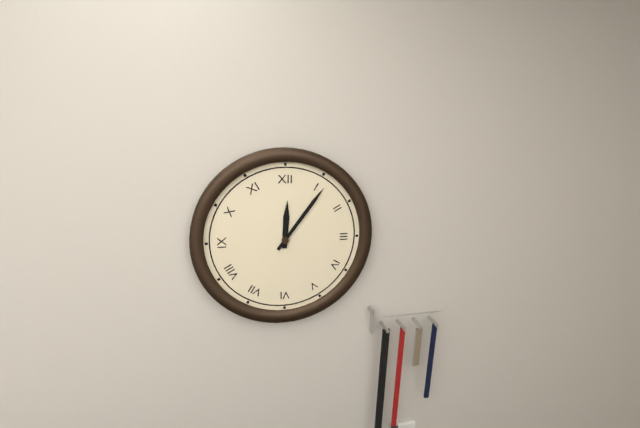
12:06
